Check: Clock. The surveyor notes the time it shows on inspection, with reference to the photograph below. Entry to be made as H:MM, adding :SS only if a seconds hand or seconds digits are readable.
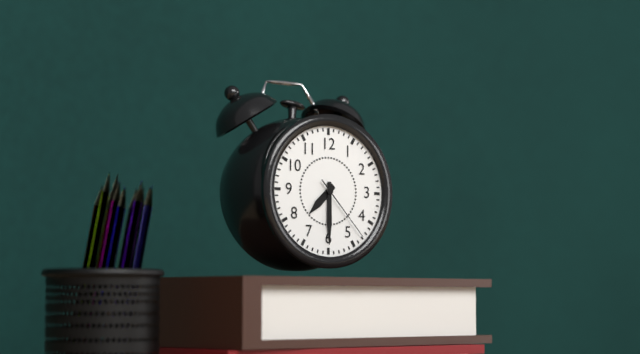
7:30:23
